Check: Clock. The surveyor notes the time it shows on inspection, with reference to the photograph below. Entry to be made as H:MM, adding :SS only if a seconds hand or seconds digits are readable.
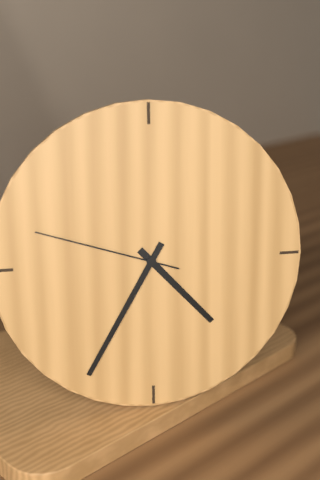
4:35:48
